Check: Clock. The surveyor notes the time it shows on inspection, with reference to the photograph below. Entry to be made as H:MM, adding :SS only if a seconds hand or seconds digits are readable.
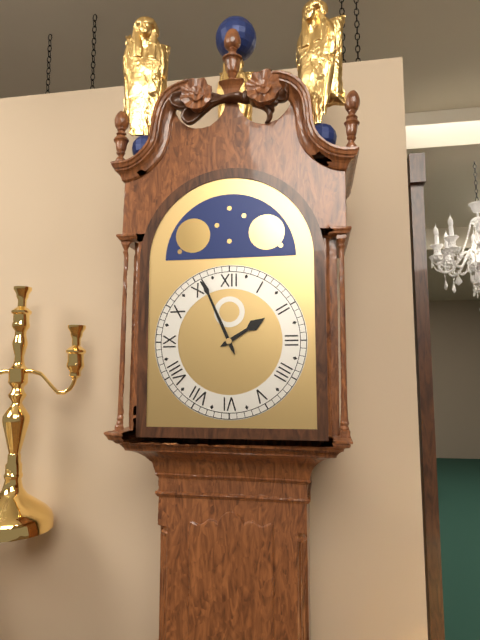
1:56
